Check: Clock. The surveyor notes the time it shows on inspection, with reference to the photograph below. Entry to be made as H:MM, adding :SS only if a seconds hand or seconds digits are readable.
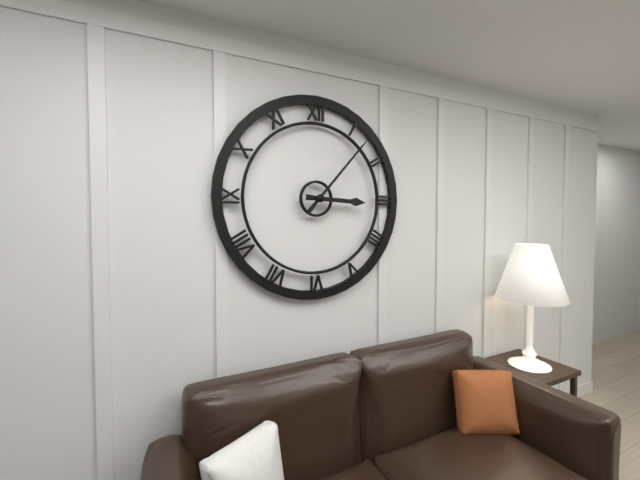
3:07
